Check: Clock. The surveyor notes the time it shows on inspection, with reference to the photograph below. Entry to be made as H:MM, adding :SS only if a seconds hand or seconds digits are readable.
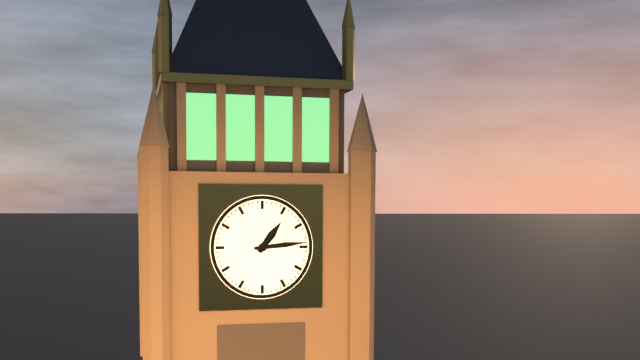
1:14
